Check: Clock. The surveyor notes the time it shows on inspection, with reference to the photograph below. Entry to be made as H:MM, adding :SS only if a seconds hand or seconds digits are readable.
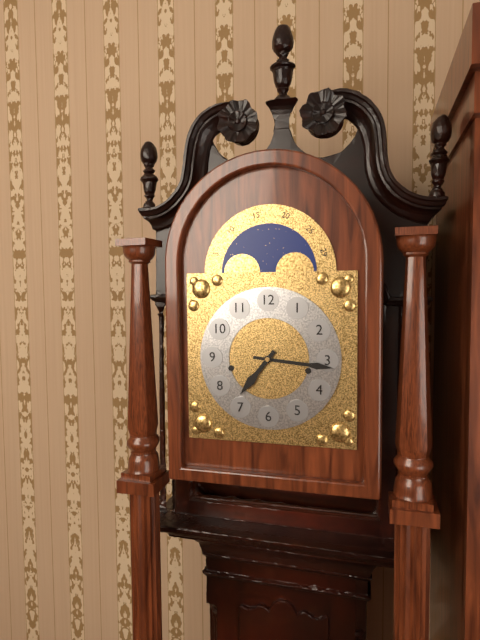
7:16
